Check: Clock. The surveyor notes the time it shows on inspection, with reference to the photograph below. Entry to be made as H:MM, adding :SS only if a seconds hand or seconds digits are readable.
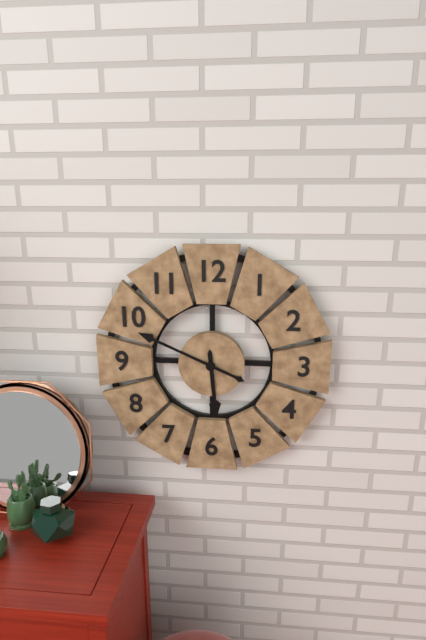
5:49
